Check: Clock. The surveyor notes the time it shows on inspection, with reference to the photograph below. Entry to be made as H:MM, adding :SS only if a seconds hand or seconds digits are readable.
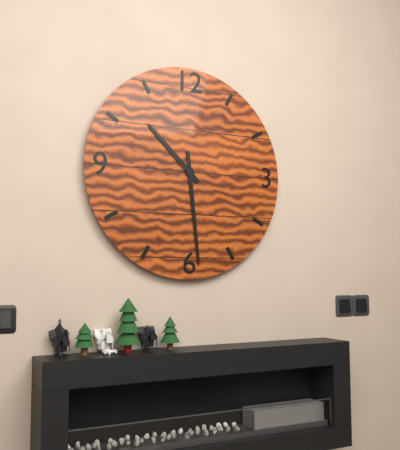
10:29
